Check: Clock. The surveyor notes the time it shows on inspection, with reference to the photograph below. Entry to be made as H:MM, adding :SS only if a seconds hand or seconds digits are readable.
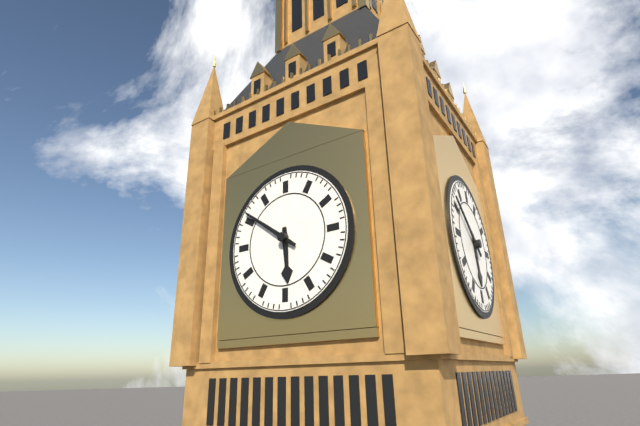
5:51
